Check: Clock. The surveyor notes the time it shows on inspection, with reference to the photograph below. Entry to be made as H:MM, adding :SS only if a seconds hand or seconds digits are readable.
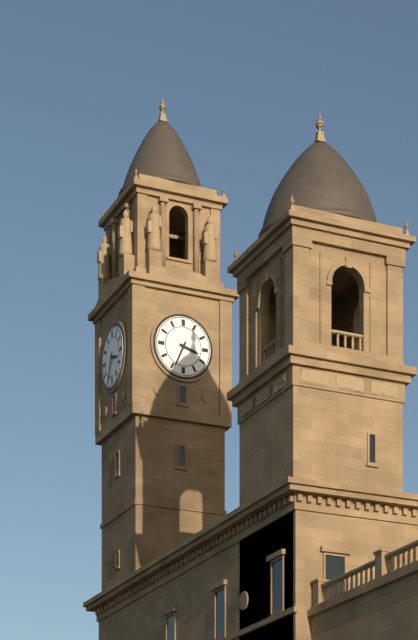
3:34
